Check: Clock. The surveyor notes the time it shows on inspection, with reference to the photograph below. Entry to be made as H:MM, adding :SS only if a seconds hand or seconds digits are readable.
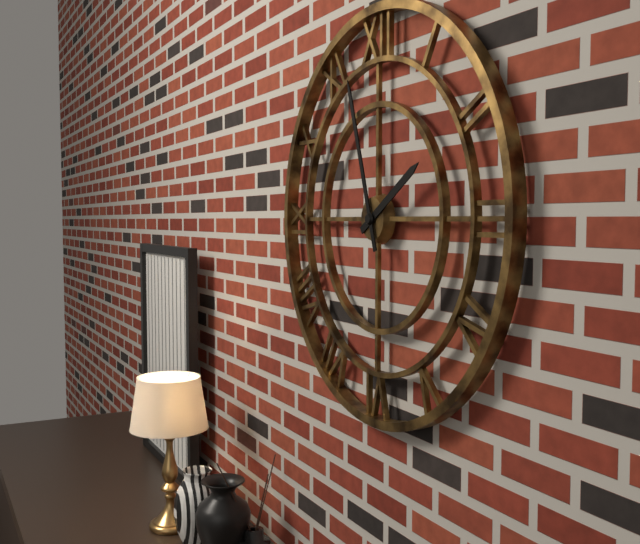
1:57
